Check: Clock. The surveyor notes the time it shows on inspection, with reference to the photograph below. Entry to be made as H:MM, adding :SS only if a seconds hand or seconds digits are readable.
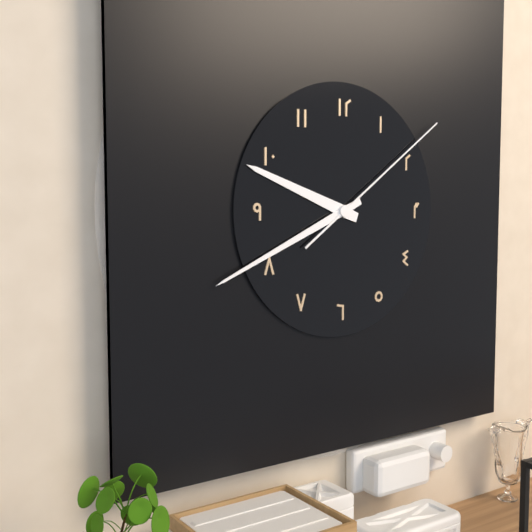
9:41:09
